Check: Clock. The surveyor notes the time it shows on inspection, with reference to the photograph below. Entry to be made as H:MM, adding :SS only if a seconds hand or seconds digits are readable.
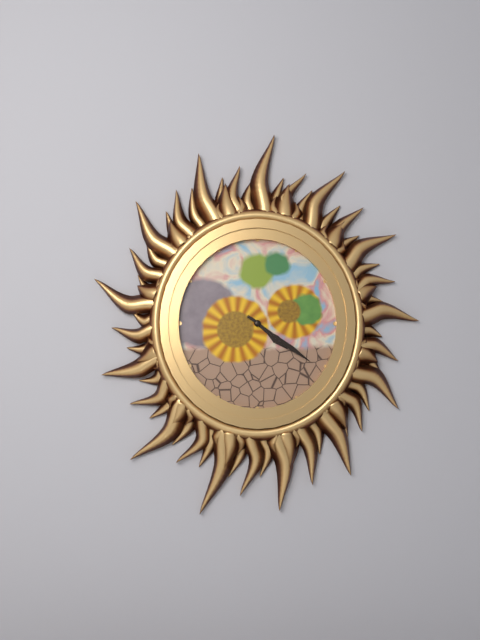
4:21
